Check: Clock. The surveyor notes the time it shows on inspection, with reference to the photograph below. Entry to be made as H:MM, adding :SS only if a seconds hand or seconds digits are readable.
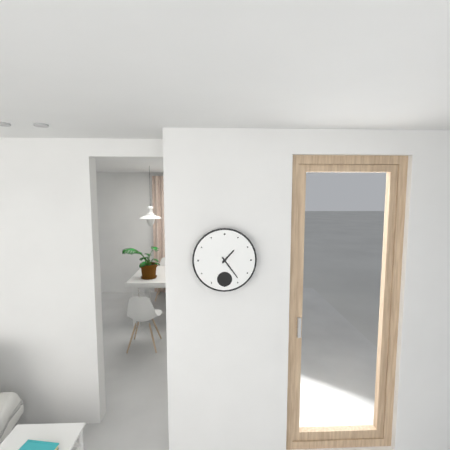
1:24
